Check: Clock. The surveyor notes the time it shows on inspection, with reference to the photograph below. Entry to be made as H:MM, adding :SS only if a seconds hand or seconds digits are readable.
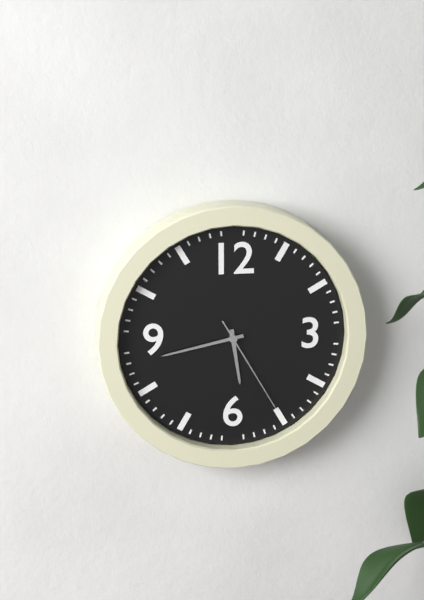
5:43:25
